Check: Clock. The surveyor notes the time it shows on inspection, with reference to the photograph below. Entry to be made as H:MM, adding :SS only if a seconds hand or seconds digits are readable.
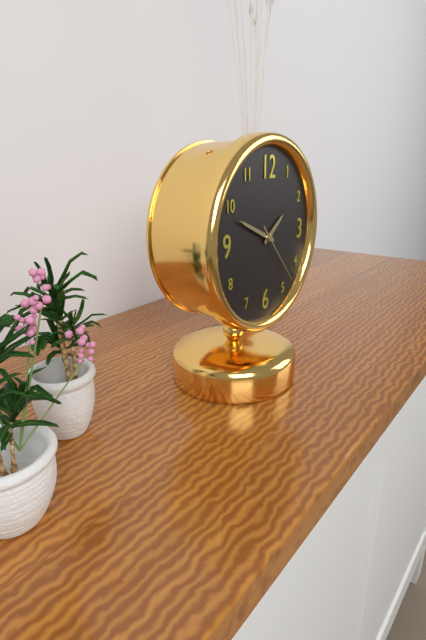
1:49:23
